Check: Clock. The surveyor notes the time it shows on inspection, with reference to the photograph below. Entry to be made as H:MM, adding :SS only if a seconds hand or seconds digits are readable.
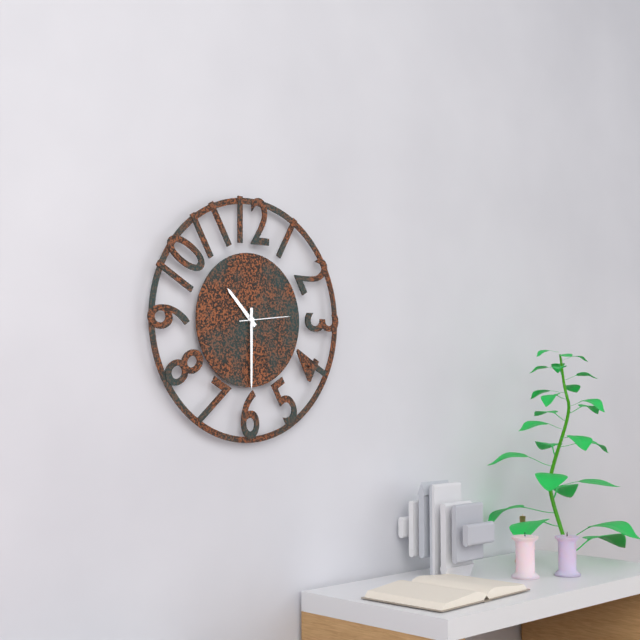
10:30:14
